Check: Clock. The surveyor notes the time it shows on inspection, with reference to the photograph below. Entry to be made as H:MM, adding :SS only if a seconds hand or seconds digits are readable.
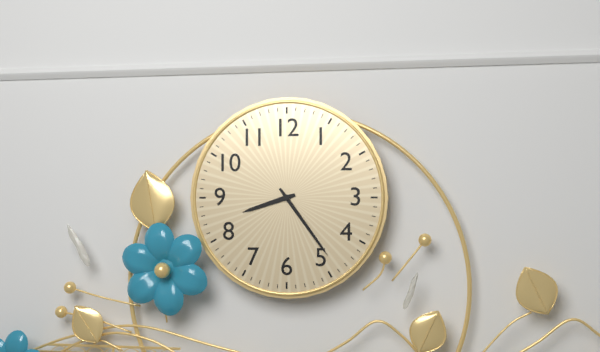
8:24
